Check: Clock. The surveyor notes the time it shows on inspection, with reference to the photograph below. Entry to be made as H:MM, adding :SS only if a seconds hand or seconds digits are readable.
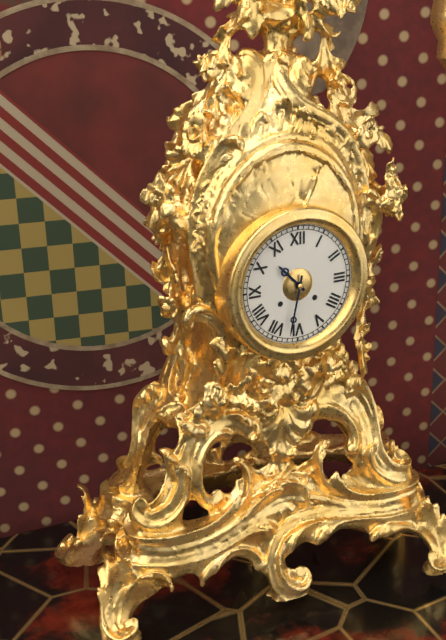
10:32
